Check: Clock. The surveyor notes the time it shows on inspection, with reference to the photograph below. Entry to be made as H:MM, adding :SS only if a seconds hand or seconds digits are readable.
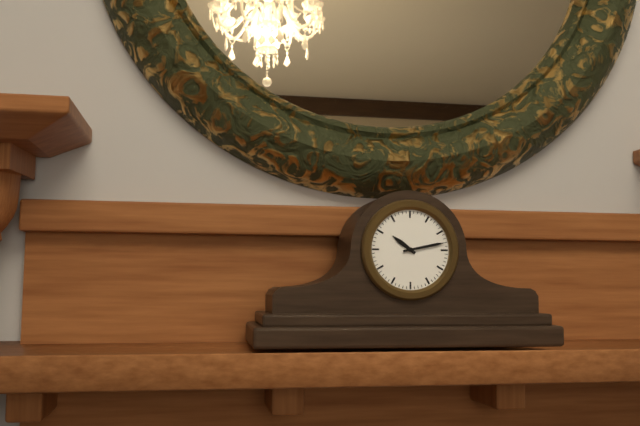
10:13
